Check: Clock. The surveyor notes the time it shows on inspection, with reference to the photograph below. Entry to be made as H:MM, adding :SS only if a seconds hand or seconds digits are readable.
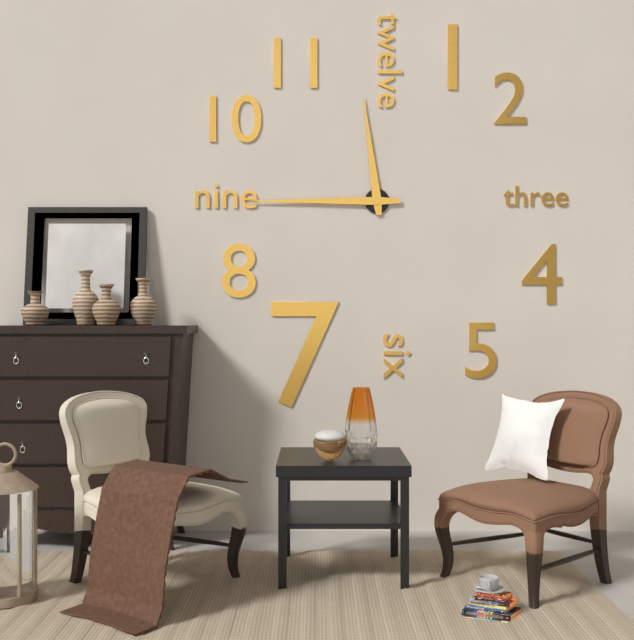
11:45
